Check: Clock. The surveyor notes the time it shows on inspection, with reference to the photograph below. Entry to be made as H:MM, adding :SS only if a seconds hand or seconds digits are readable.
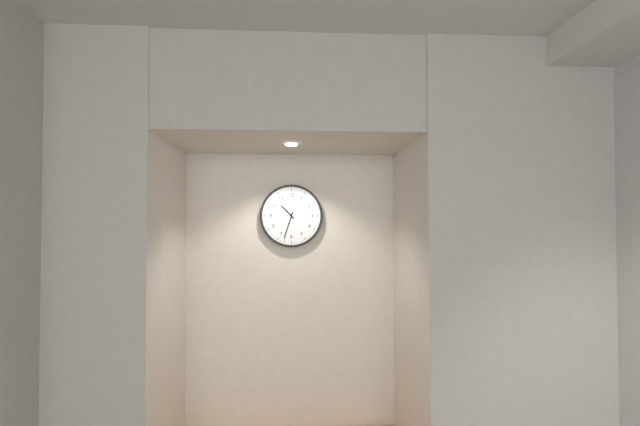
10:33
